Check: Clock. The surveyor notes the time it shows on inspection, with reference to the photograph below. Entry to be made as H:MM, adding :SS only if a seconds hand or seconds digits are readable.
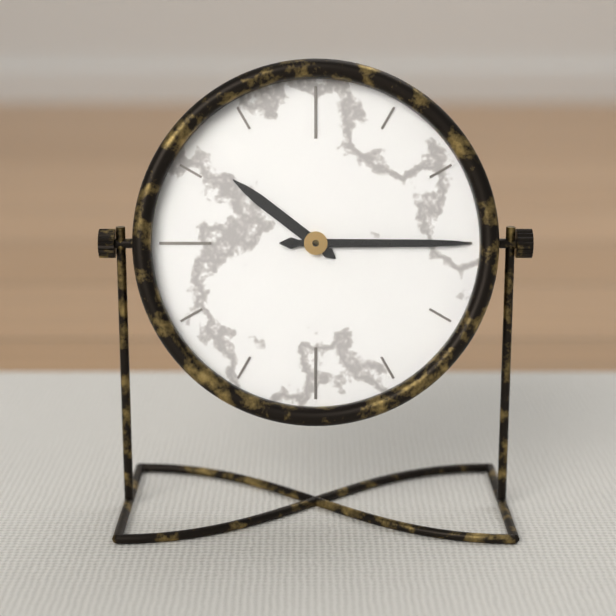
10:15
